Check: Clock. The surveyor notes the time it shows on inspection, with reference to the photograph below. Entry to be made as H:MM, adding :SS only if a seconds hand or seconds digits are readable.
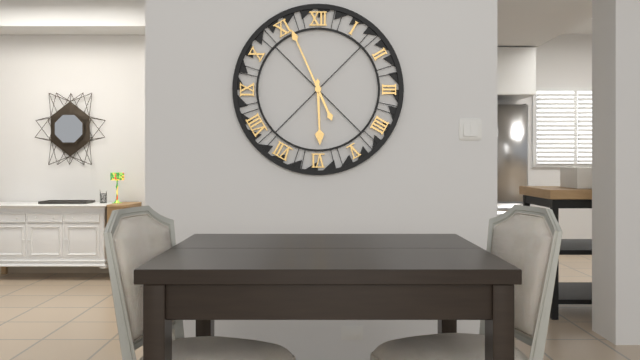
5:56
